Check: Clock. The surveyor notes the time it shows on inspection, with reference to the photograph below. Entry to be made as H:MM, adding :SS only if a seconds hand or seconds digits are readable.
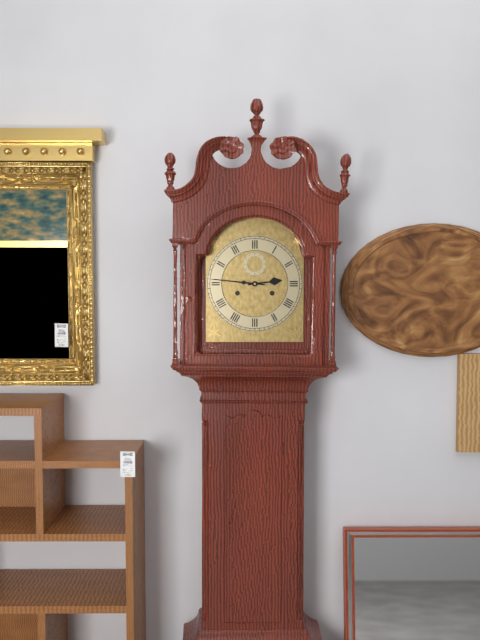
2:46
